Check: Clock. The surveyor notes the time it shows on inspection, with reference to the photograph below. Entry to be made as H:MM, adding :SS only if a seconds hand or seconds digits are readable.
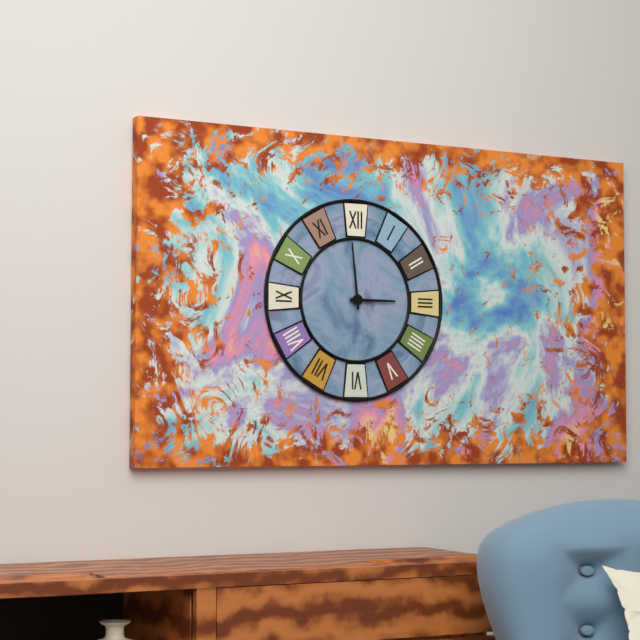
2:59
